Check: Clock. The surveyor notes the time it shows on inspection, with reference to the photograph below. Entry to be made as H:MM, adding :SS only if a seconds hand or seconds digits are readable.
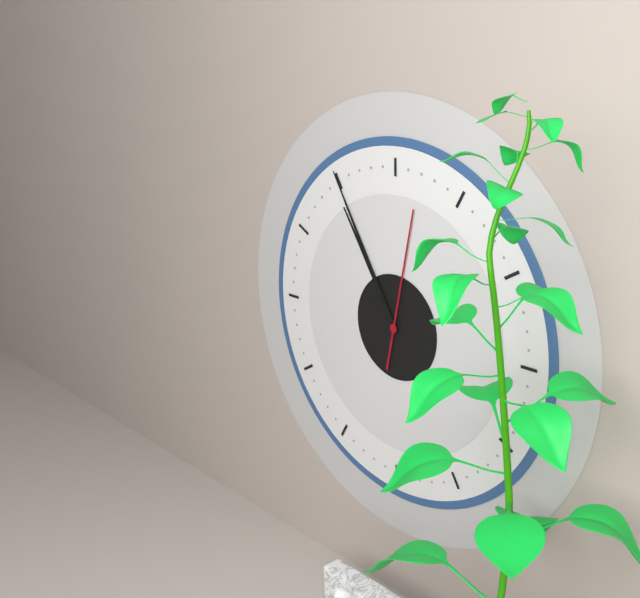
10:55:02
